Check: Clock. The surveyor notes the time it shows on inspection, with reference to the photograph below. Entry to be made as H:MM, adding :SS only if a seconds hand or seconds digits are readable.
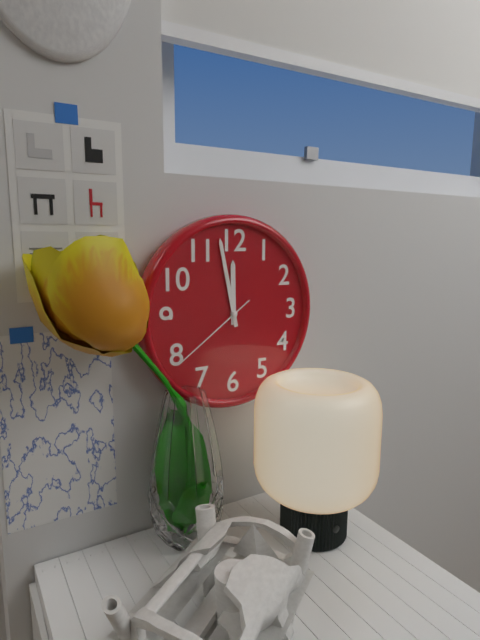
11:58:39
